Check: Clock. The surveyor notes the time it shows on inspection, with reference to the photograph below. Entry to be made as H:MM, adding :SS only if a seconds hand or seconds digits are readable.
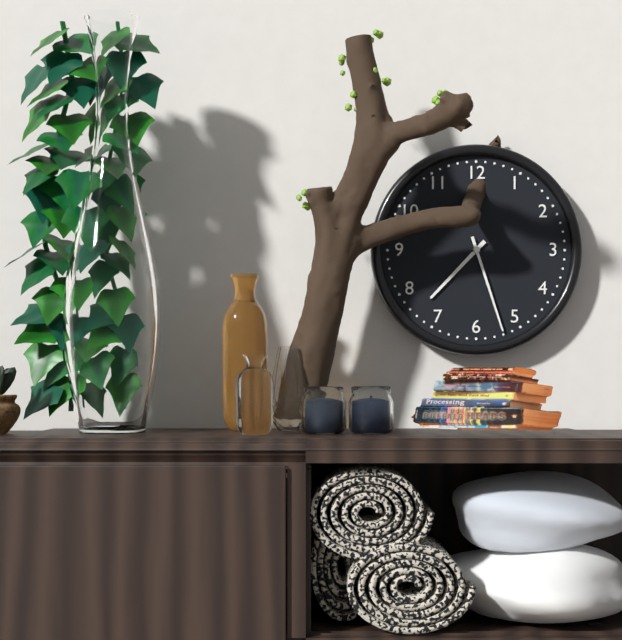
7:27
